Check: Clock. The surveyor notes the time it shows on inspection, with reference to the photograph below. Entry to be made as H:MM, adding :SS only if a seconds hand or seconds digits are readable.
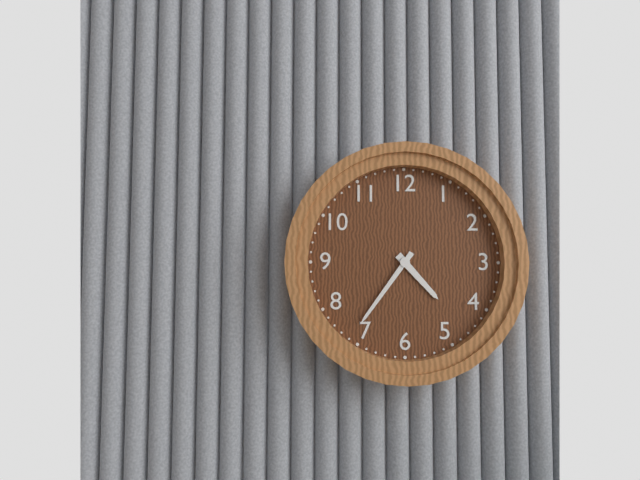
4:36
